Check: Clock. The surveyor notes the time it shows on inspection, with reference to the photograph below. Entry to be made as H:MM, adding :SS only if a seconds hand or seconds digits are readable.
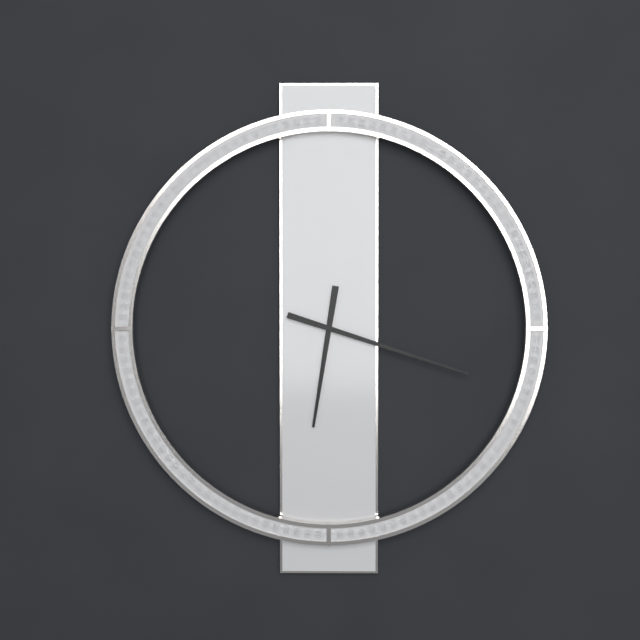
6:18
